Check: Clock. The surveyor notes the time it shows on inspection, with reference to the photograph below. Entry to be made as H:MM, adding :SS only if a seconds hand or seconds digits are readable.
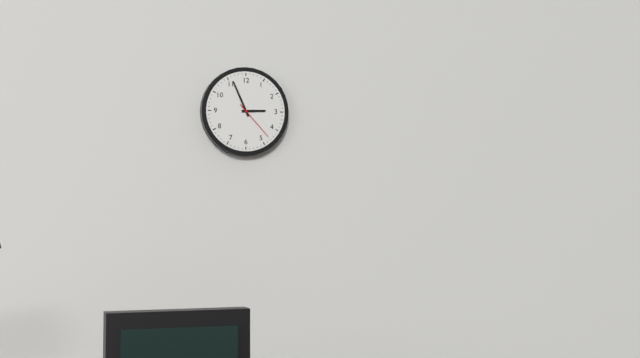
2:56
